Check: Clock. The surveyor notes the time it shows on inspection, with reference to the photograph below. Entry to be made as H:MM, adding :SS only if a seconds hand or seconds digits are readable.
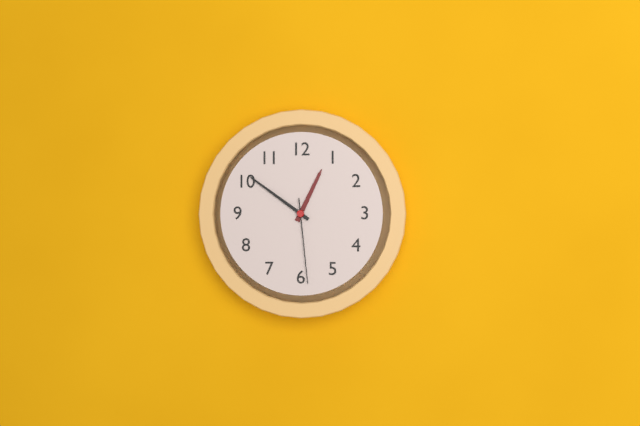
12:51:29
